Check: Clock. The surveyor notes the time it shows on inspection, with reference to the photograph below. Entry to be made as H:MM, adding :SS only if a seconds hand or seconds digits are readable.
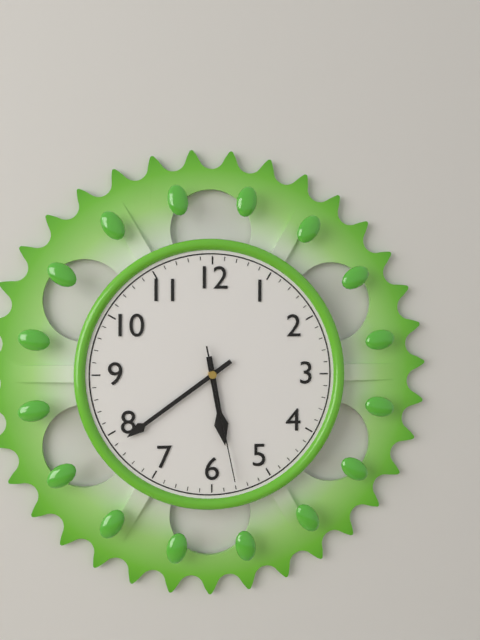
5:39:28
